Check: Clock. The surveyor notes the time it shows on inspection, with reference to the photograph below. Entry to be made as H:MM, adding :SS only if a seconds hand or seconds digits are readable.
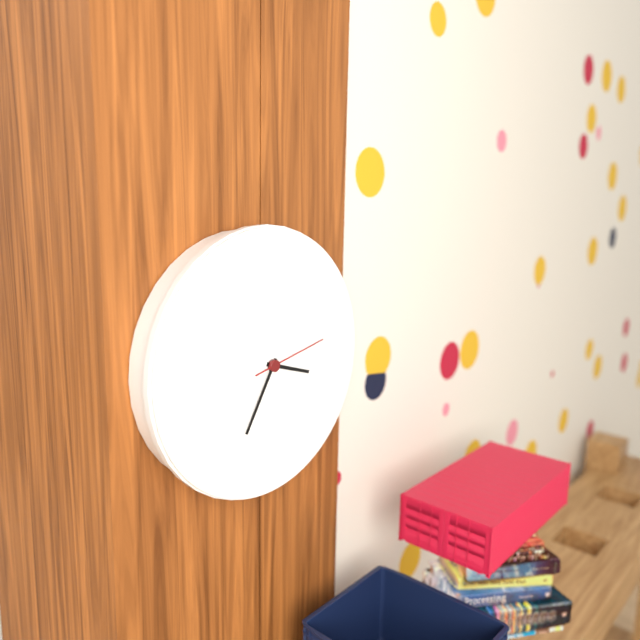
3:35:13
